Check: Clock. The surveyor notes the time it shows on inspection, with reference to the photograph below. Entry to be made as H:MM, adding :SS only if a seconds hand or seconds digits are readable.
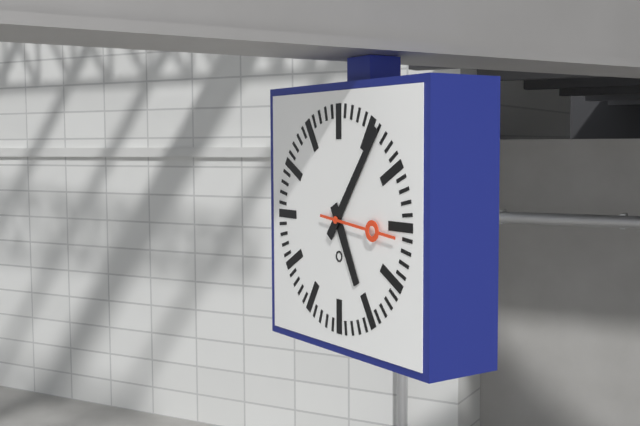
5:06
